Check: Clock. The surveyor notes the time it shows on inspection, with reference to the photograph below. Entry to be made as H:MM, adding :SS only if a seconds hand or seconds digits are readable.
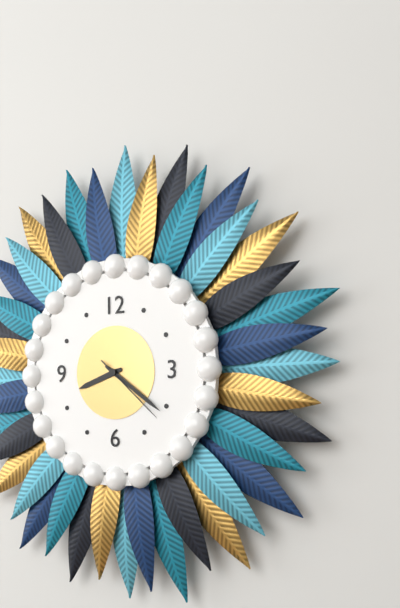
8:21:22
